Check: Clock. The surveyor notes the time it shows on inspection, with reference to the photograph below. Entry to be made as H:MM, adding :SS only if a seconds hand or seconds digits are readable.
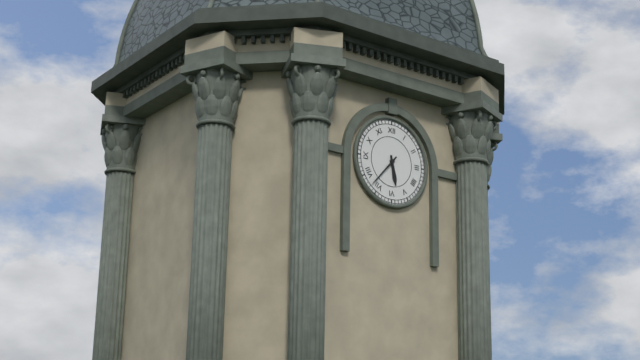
5:37
